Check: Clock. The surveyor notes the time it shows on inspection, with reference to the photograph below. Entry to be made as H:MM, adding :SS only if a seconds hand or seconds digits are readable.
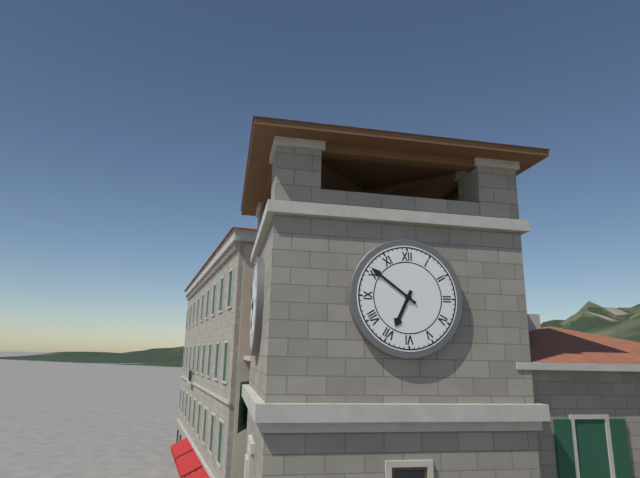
6:51
